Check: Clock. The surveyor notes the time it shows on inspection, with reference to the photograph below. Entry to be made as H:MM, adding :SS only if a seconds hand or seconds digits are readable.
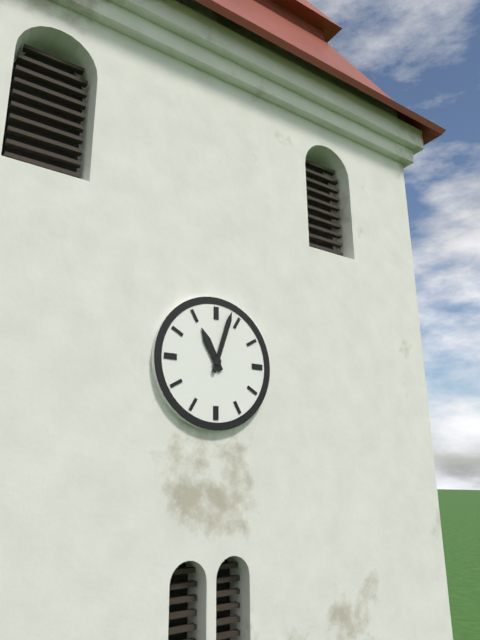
11:03
